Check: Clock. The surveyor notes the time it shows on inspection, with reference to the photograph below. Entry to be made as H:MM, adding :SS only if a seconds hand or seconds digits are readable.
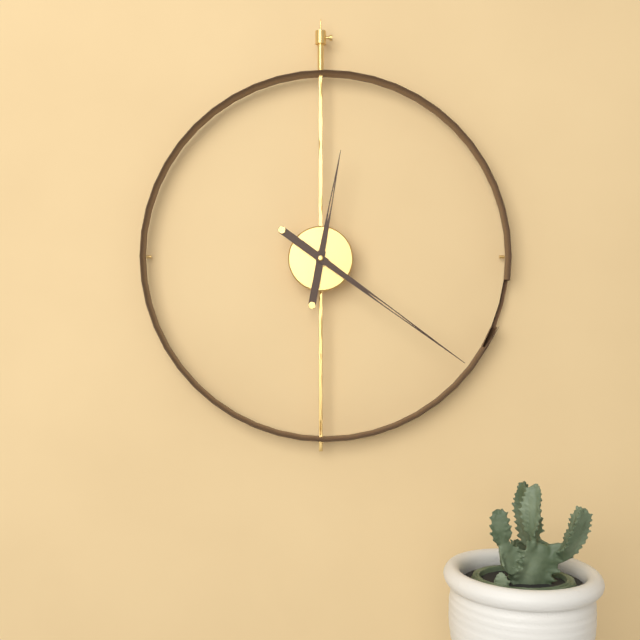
12:21
